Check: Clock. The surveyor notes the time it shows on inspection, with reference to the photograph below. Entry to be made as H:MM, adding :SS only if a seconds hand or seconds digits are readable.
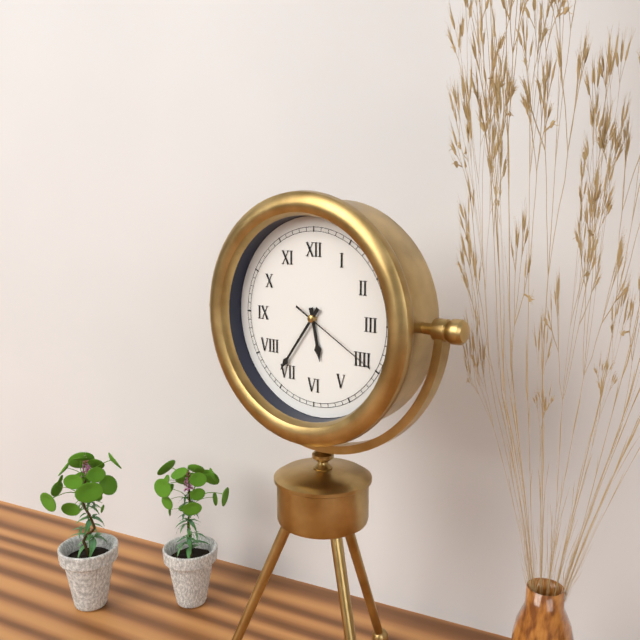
5:36:20
